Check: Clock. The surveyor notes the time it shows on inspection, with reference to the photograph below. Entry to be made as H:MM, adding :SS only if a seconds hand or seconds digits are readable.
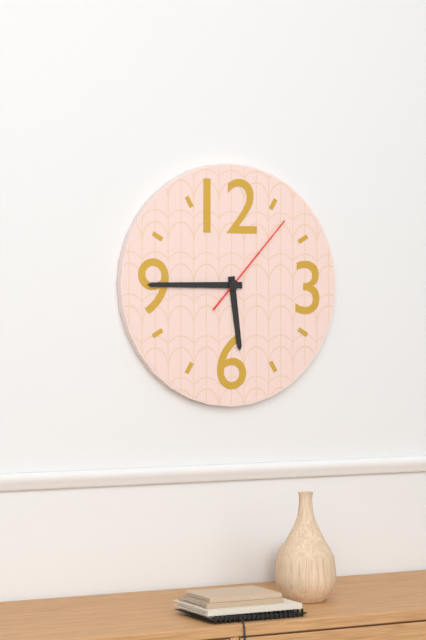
5:45:07
